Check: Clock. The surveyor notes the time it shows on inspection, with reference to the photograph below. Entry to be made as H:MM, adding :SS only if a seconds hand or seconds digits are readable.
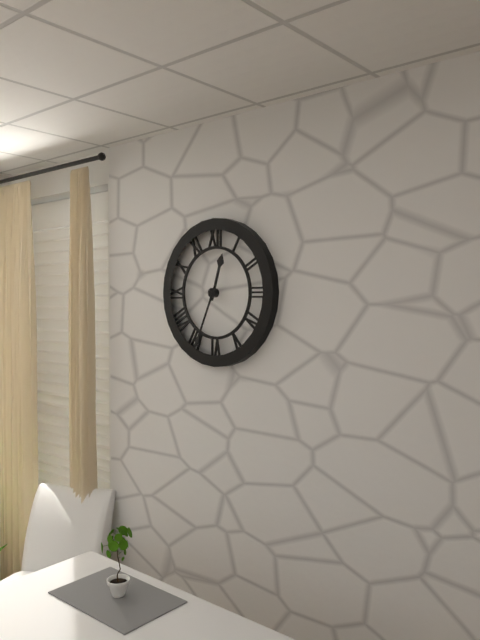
12:34
